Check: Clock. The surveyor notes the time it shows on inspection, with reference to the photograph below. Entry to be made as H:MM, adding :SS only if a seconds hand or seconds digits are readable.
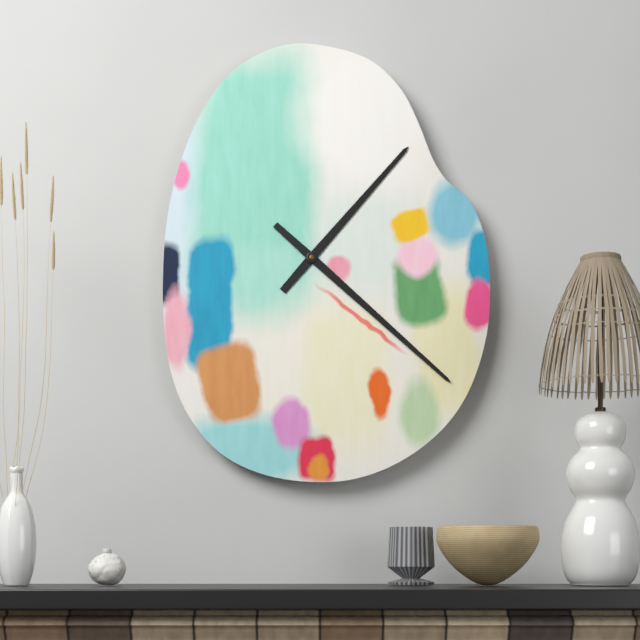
1:22
